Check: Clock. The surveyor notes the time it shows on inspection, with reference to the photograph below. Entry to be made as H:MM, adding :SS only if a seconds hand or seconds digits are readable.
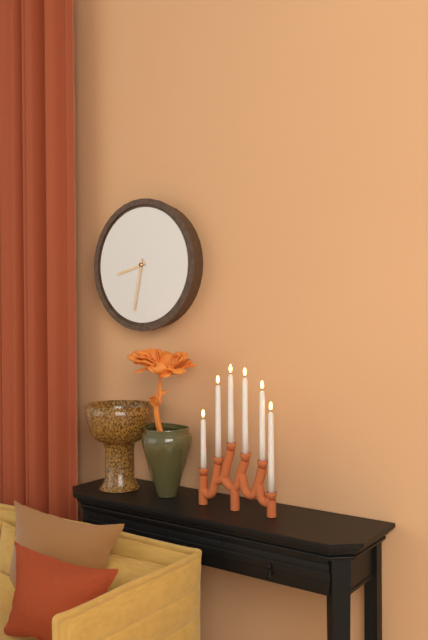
8:32
